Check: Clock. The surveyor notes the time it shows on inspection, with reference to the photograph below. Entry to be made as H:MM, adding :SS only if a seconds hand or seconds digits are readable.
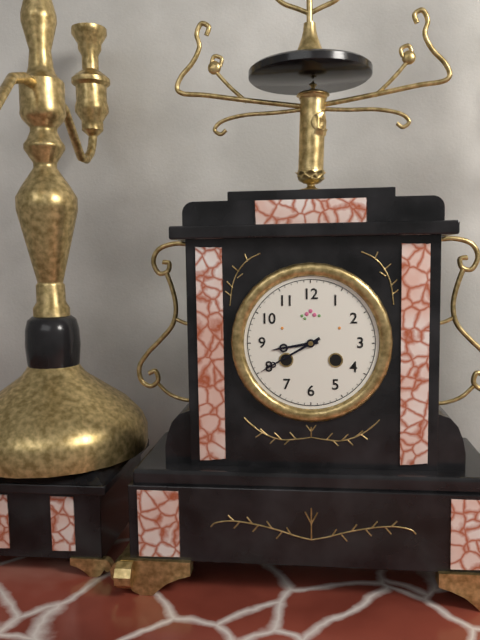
8:40
